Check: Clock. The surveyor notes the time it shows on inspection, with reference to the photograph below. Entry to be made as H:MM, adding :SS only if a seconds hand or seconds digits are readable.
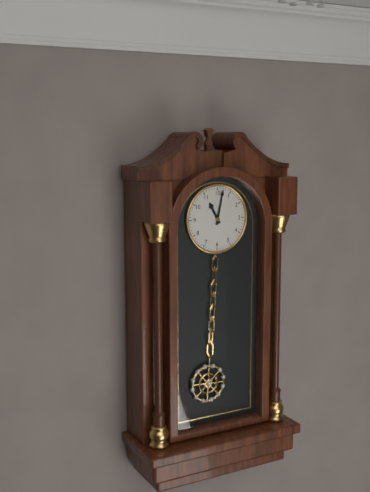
11:02
